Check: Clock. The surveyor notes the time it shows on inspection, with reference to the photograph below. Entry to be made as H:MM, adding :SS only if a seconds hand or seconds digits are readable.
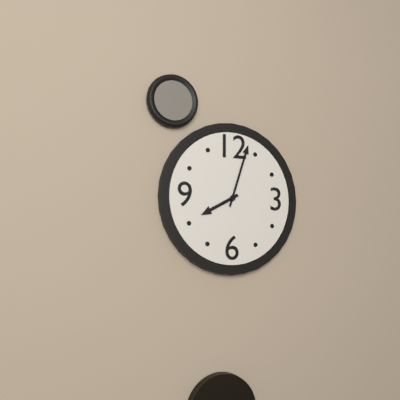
8:03
